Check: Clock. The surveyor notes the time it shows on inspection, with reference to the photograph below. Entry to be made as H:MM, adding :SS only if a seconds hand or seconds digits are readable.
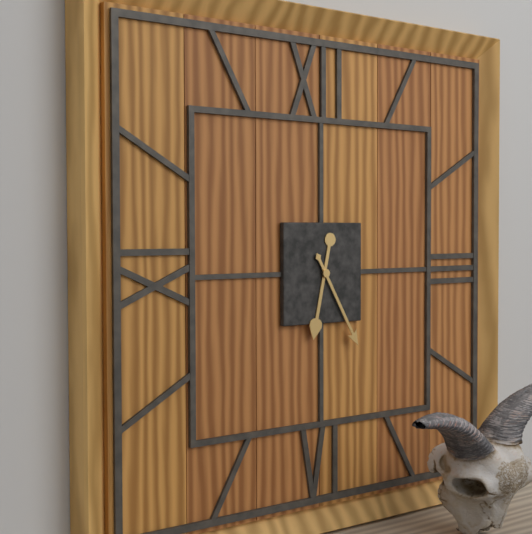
6:25
